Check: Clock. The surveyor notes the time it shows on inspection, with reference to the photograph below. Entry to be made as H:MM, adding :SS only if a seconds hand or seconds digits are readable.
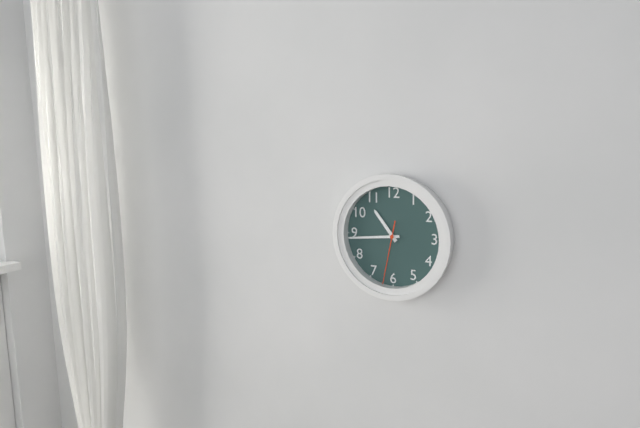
10:44:32
